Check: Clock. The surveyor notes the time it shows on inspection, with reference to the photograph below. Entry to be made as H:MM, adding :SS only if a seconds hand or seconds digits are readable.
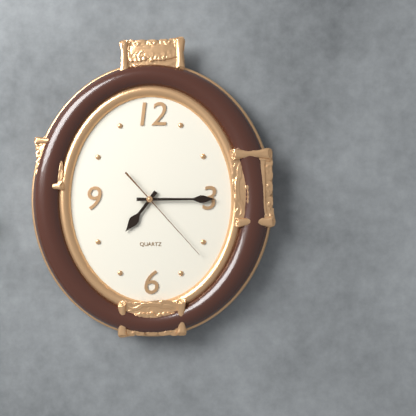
7:15:23
